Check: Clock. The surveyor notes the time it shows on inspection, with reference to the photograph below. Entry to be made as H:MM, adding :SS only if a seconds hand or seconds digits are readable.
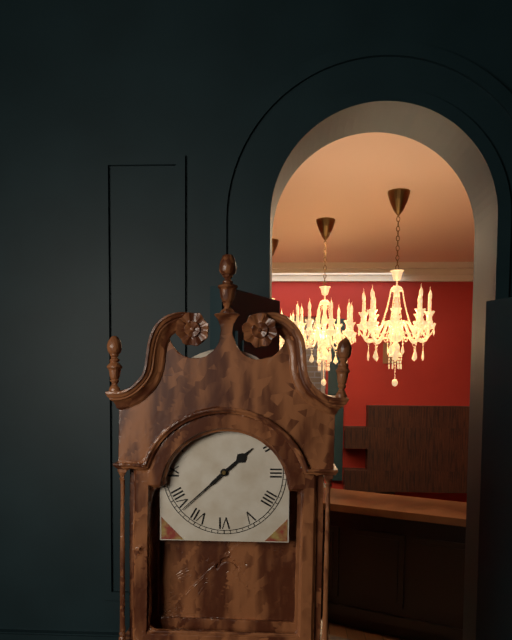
1:38
